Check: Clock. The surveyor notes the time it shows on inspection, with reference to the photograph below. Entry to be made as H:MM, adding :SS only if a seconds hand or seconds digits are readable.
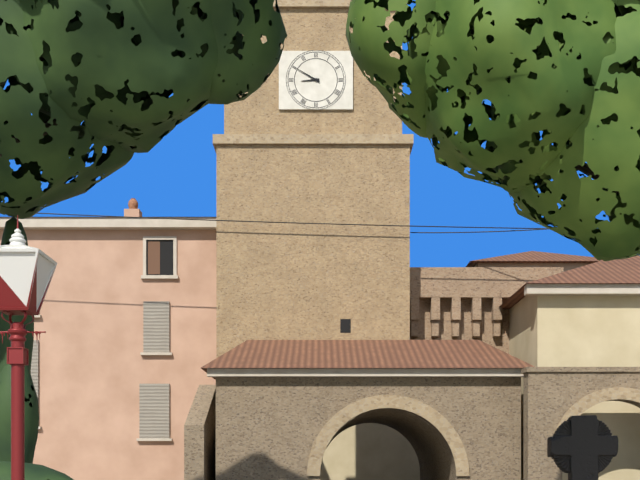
8:50
